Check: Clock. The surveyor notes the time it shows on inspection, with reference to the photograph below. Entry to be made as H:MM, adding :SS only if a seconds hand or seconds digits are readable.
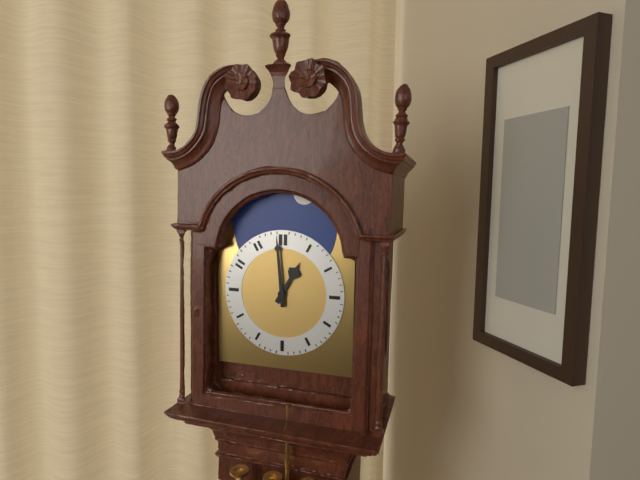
12:59
